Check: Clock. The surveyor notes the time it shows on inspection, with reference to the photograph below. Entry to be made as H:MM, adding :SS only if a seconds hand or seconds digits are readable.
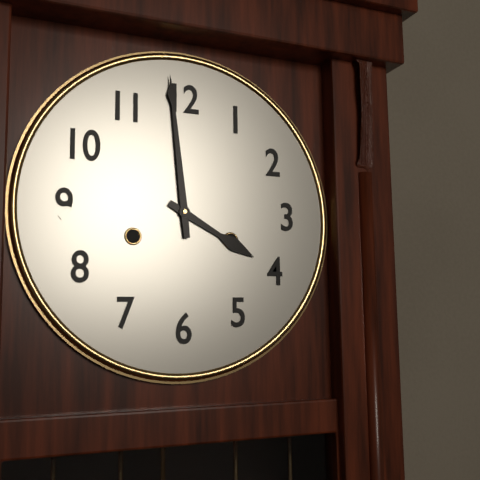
3:59
